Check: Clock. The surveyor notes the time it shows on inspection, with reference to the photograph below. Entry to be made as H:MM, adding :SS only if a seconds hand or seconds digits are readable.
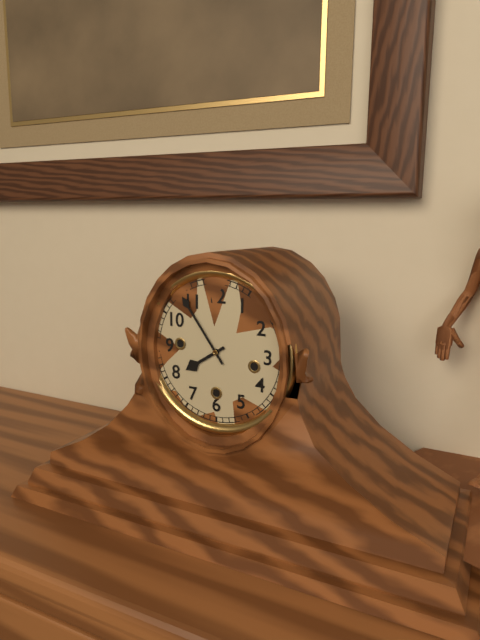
7:54
